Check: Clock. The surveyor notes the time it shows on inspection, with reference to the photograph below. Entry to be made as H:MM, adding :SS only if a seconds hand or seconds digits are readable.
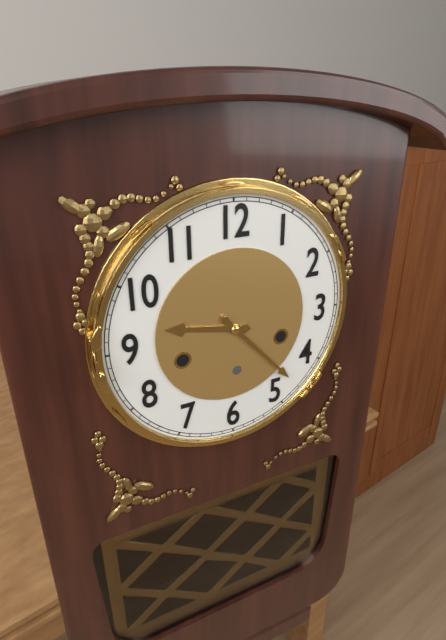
9:23
